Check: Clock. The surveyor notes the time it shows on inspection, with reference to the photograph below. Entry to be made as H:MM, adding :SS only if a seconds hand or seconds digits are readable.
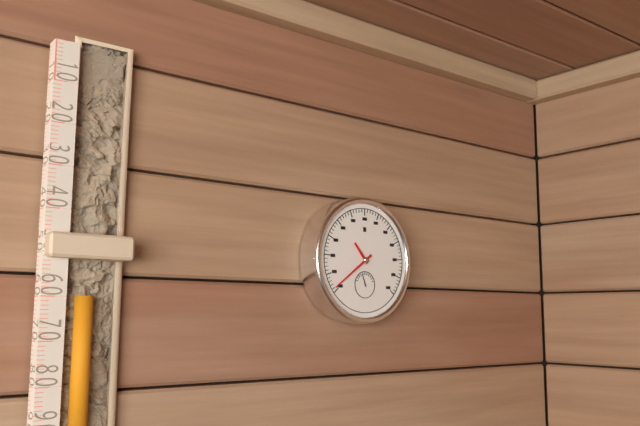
10:39
